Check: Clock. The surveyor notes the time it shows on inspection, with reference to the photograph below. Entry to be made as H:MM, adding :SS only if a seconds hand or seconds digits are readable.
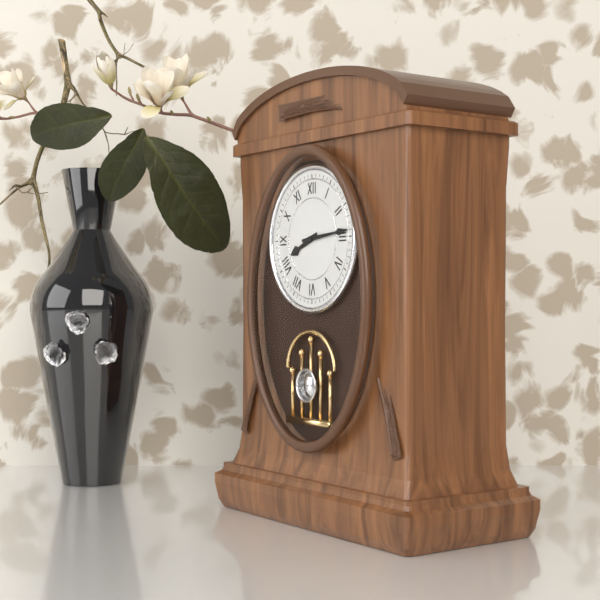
8:14
